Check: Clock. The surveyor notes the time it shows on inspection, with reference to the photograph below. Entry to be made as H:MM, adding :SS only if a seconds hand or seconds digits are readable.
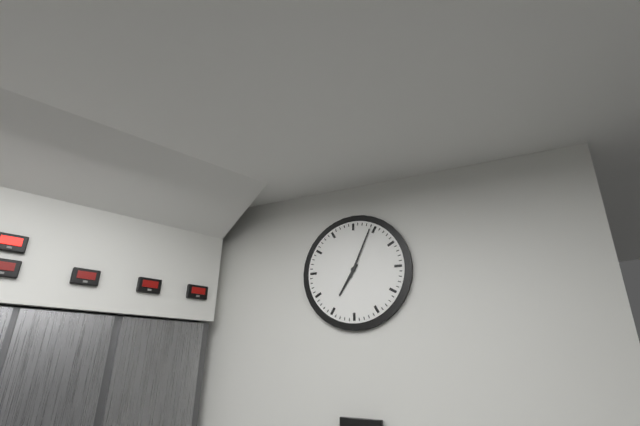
7:04
